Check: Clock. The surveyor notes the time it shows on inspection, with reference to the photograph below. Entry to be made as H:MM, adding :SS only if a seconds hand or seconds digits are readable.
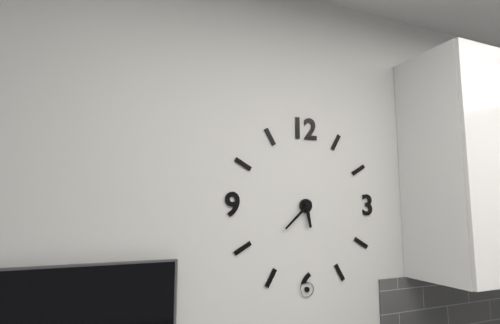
5:38
